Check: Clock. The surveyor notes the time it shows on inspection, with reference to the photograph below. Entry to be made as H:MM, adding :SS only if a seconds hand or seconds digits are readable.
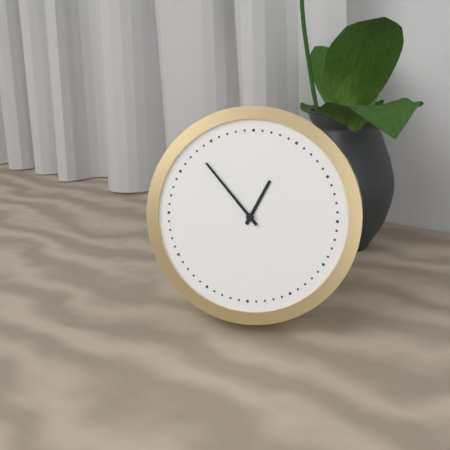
12:53
